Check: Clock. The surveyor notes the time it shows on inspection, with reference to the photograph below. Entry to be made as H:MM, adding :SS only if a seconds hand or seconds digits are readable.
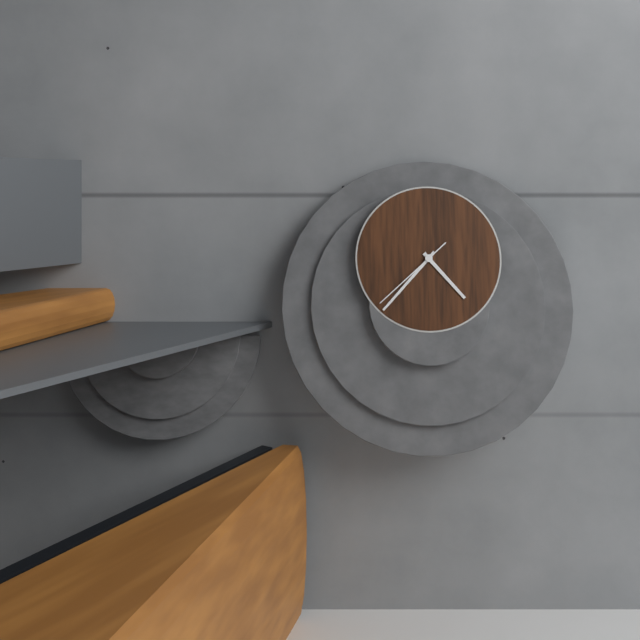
4:37:38
